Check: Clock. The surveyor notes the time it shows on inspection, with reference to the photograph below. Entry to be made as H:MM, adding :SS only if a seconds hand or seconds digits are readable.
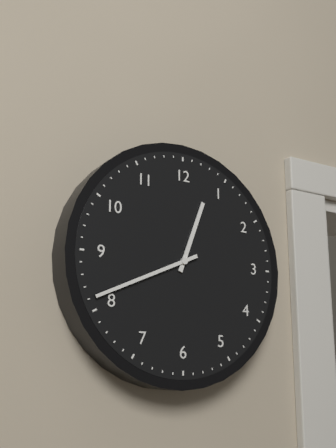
12:41
